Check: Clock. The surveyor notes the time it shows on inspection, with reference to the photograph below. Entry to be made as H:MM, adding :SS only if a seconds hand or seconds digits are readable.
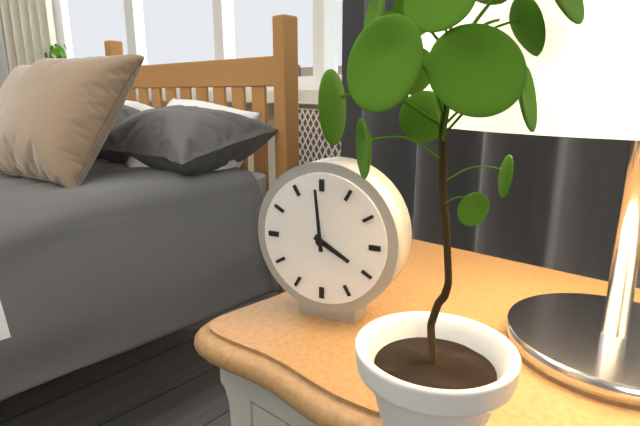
3:59
